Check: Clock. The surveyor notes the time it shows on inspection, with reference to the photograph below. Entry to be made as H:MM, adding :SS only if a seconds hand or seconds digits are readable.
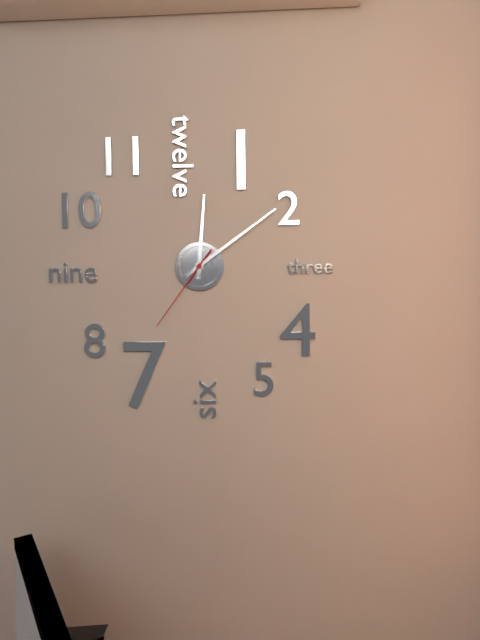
12:09:36
